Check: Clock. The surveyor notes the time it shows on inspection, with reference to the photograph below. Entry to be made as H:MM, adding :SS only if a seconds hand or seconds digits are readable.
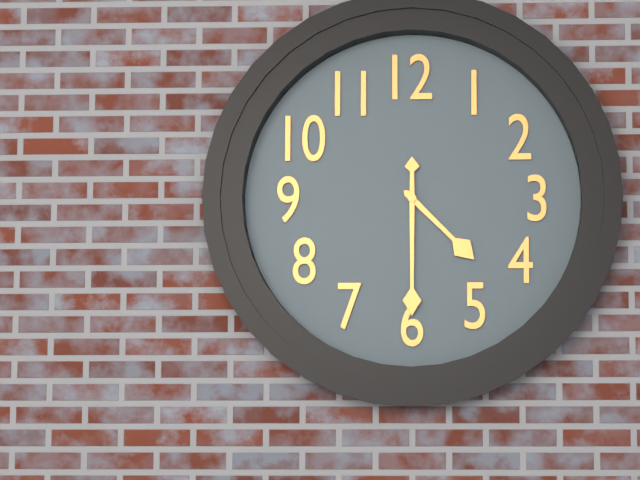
4:30
